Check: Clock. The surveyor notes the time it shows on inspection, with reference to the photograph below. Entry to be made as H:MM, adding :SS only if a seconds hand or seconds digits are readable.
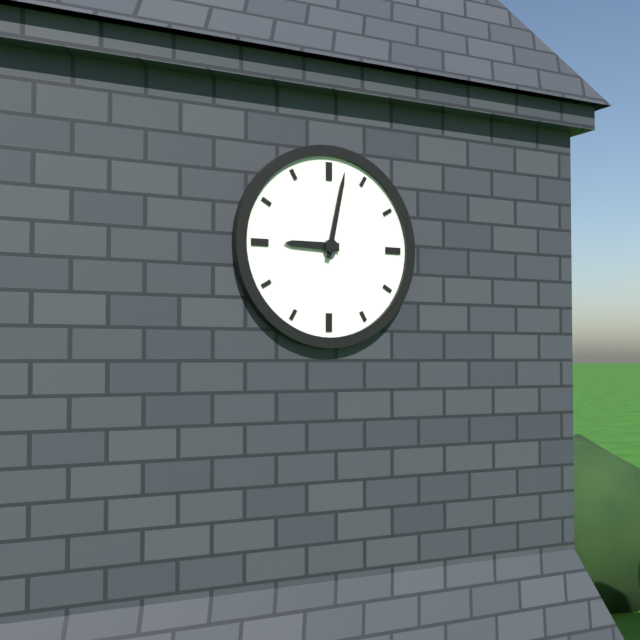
9:02
